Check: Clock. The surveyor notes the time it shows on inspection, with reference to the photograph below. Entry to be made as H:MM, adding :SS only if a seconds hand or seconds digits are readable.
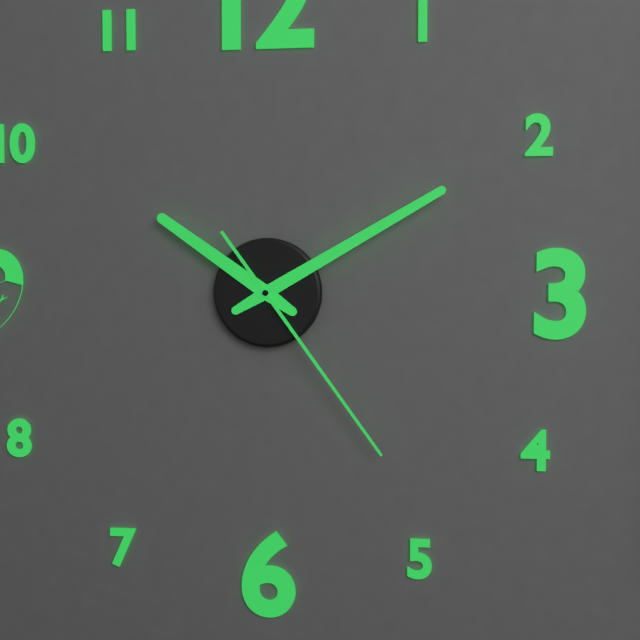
10:10:24
